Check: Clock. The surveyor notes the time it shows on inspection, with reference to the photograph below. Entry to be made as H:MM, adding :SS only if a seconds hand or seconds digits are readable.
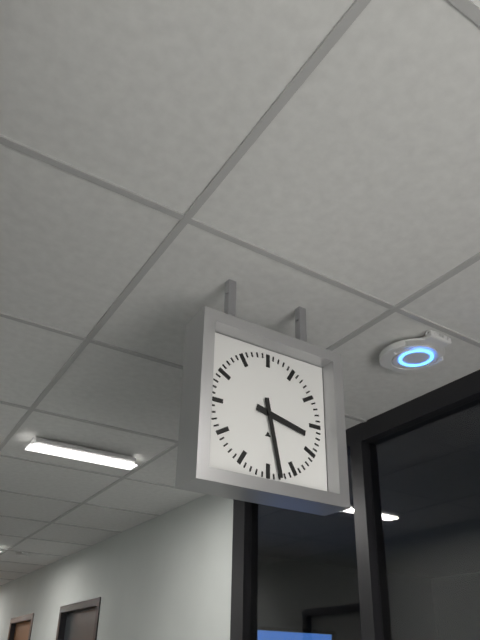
3:28
